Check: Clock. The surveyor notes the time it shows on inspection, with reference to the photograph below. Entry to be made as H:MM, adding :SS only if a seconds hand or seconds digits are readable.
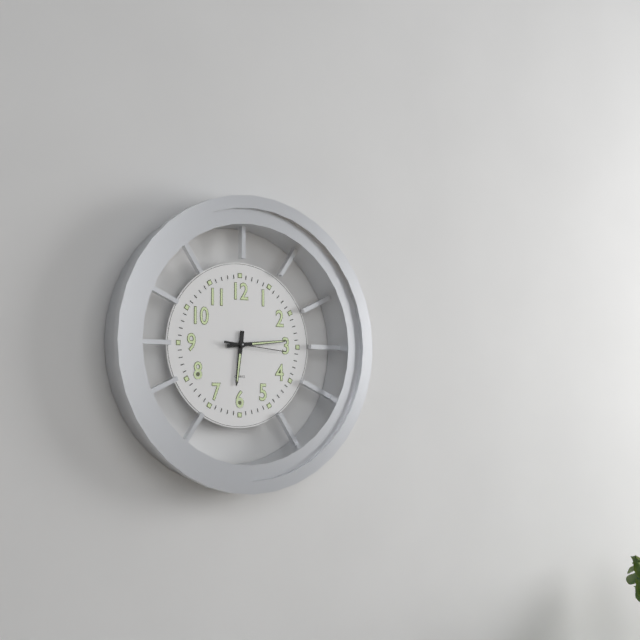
6:14:16
